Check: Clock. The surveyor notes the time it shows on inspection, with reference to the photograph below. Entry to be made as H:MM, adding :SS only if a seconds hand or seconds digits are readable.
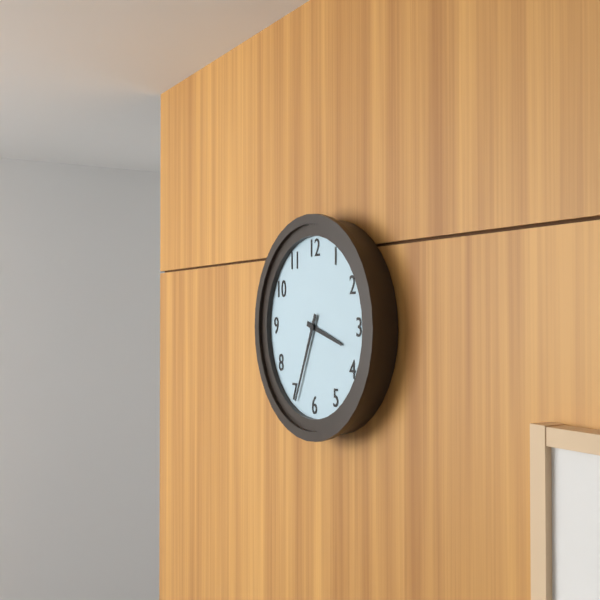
3:34
